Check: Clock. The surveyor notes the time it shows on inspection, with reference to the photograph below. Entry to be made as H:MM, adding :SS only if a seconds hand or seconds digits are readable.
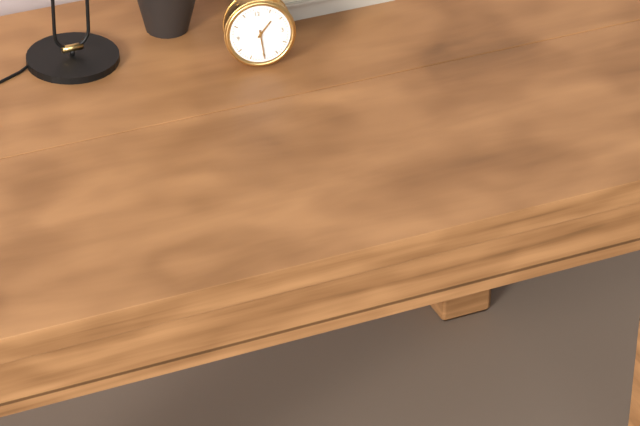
1:30
